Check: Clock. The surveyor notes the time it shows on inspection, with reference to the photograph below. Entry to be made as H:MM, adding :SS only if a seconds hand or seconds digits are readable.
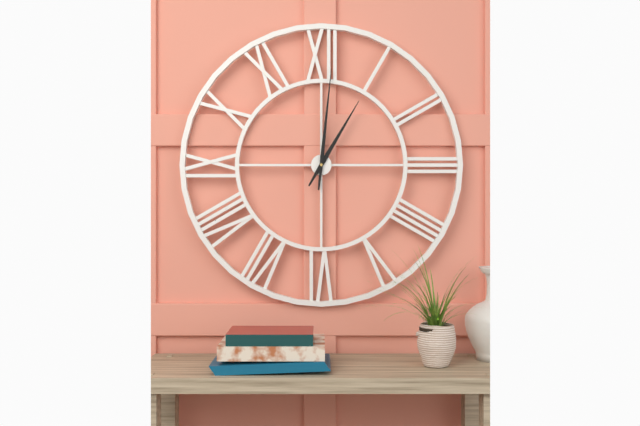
1:01
